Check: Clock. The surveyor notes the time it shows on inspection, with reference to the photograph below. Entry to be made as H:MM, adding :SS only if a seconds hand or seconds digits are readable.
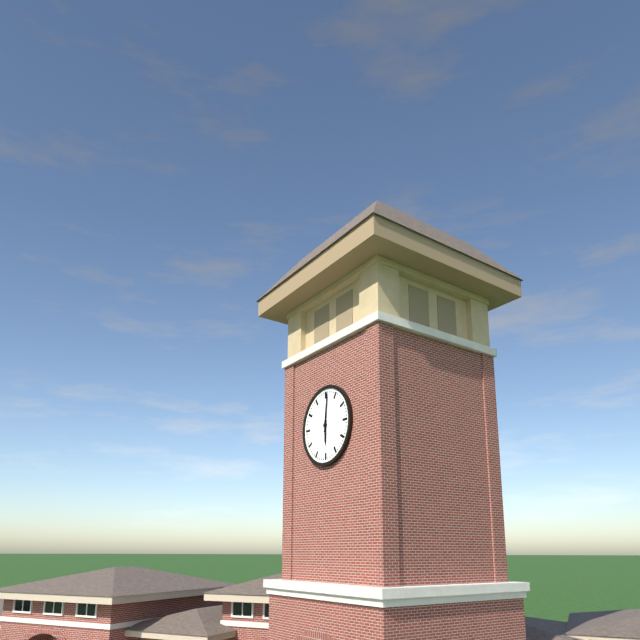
6:01
